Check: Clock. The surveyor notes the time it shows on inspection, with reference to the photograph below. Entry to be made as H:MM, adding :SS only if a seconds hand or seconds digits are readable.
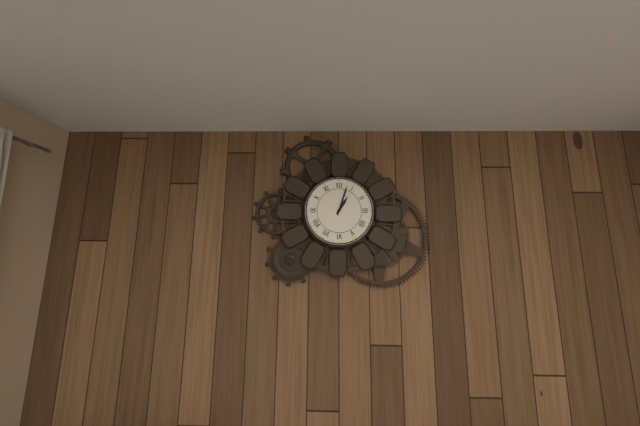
1:03
